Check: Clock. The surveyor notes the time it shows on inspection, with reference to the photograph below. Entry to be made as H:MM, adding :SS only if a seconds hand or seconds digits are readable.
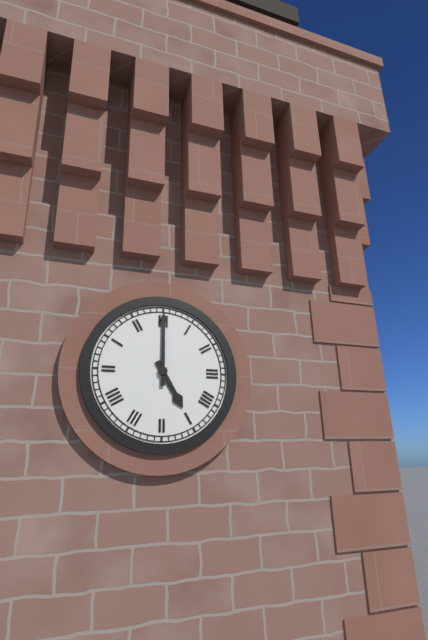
5:00
